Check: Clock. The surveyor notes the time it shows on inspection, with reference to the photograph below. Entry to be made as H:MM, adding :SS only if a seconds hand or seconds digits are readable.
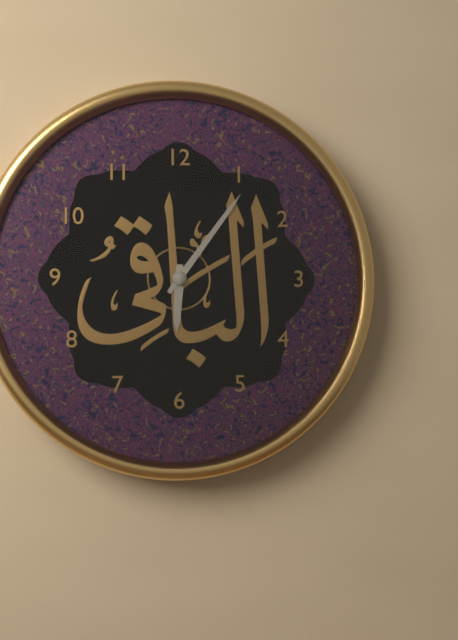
6:06
